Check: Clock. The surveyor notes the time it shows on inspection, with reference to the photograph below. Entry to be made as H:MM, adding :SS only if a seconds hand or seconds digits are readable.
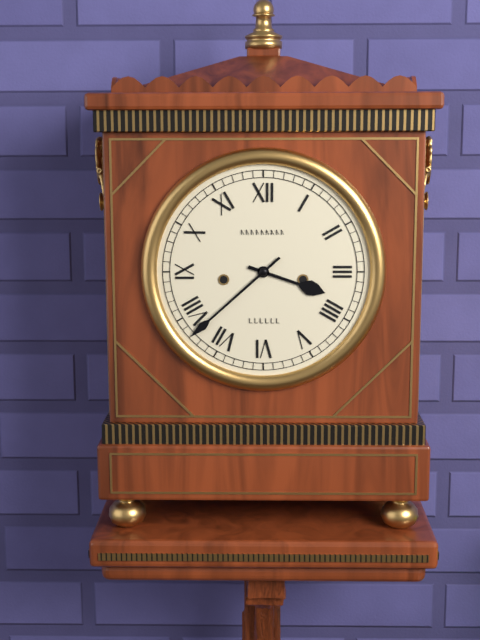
3:38
